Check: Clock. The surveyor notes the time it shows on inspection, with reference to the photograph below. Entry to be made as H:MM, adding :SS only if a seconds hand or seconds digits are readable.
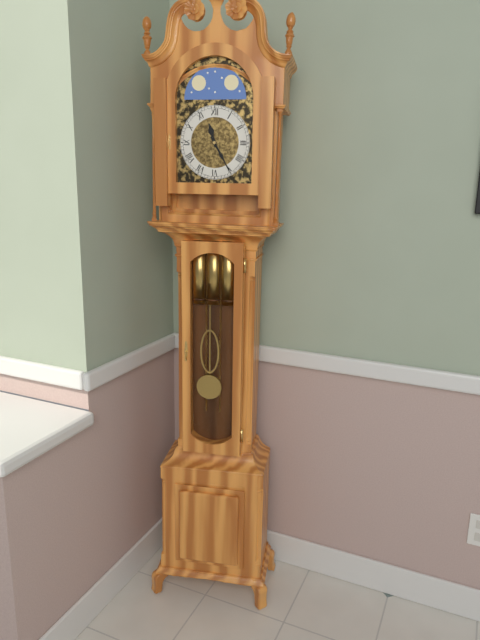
11:25
